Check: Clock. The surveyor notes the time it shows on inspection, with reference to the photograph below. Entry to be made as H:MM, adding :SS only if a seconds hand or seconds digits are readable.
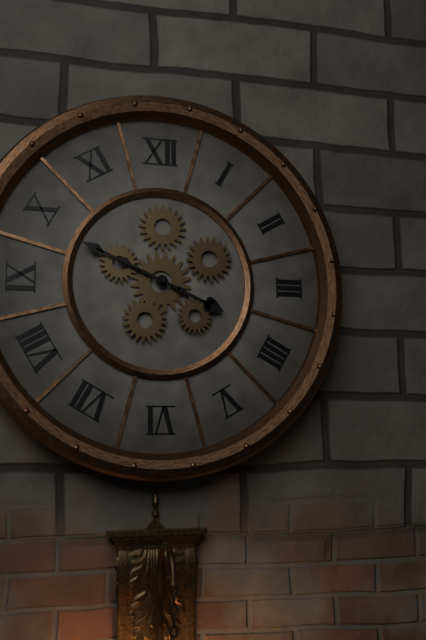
3:49
